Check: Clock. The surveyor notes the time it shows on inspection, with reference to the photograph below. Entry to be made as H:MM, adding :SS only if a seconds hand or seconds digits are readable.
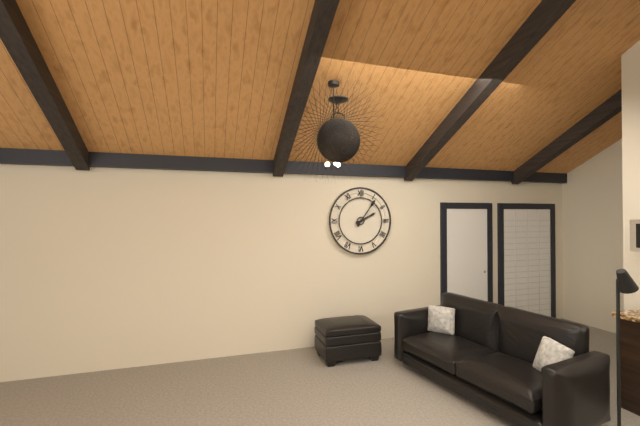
2:06
